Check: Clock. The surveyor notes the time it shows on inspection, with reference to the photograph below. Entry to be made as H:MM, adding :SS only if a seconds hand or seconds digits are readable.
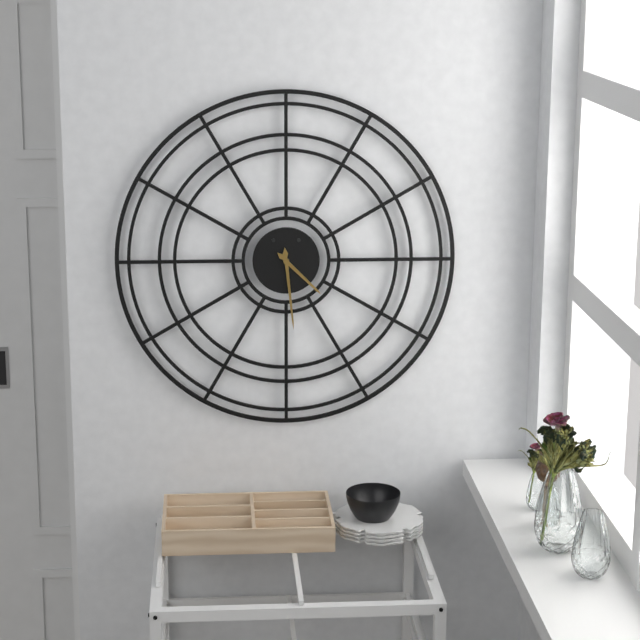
4:29
